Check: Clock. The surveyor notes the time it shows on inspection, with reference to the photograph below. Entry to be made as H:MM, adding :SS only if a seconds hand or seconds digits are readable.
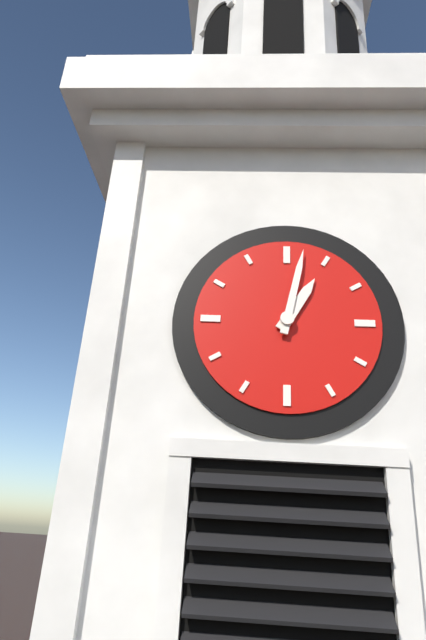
1:02
